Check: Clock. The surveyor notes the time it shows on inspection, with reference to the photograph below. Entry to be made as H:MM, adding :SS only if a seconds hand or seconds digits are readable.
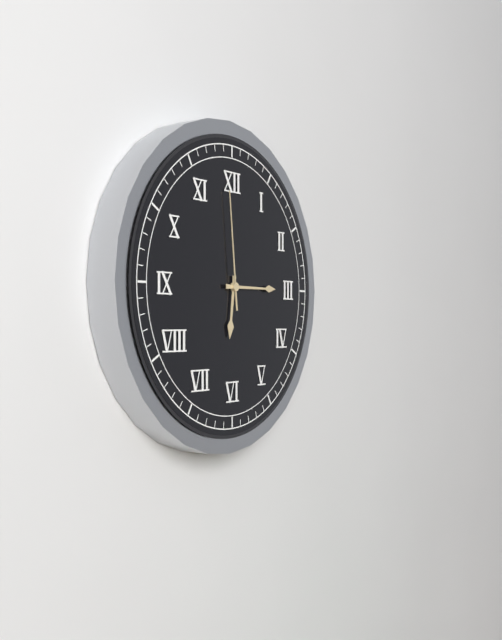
6:15:59
